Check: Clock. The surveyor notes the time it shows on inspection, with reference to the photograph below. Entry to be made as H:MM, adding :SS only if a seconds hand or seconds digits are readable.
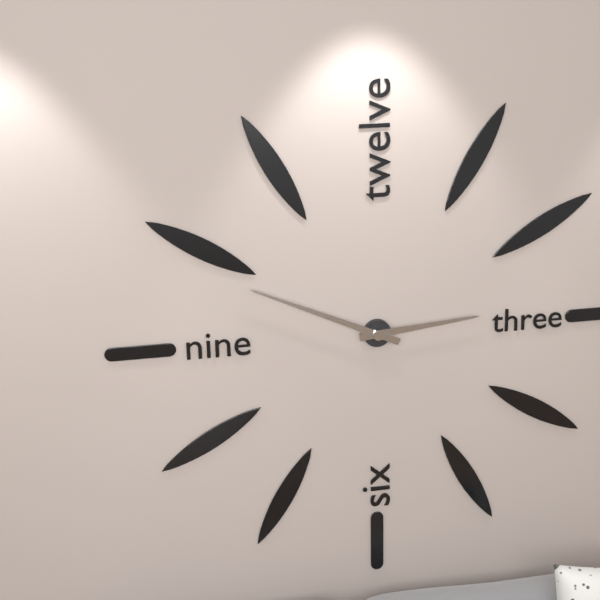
2:49
